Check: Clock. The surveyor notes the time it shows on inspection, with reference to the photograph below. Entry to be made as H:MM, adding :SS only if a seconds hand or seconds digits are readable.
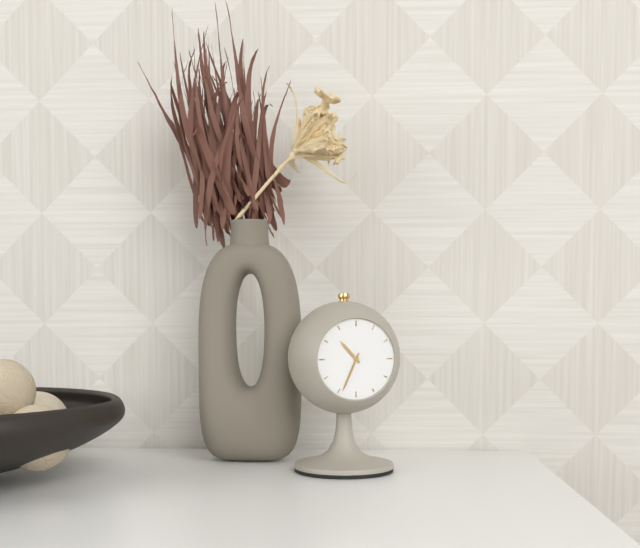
10:34
